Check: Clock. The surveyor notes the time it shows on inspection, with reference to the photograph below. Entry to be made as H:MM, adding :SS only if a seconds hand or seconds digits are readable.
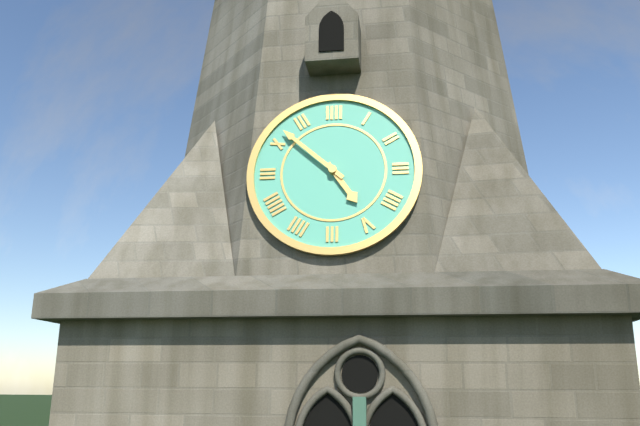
4:52
